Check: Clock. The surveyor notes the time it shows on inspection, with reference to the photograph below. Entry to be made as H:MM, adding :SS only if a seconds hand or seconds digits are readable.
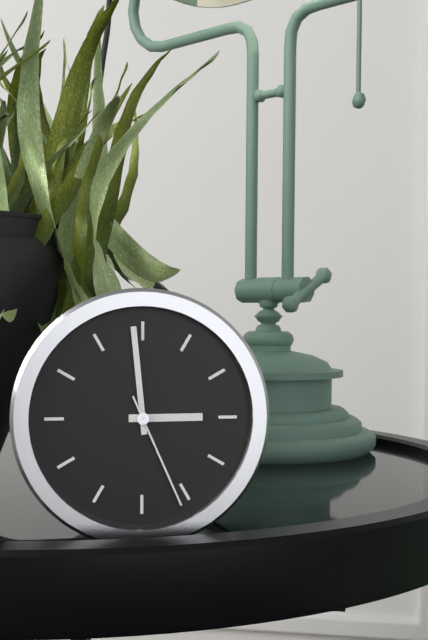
2:59:26
